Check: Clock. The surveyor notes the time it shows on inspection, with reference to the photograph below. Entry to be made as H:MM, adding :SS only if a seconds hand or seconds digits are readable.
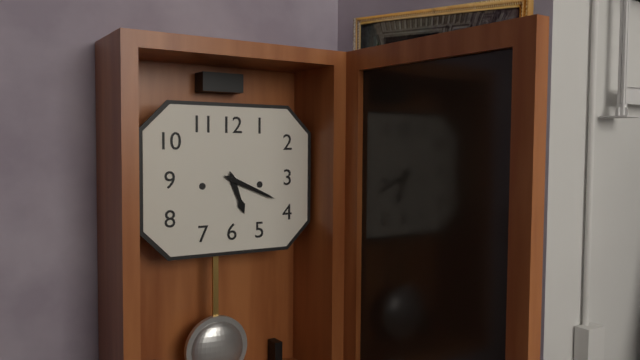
5:19
